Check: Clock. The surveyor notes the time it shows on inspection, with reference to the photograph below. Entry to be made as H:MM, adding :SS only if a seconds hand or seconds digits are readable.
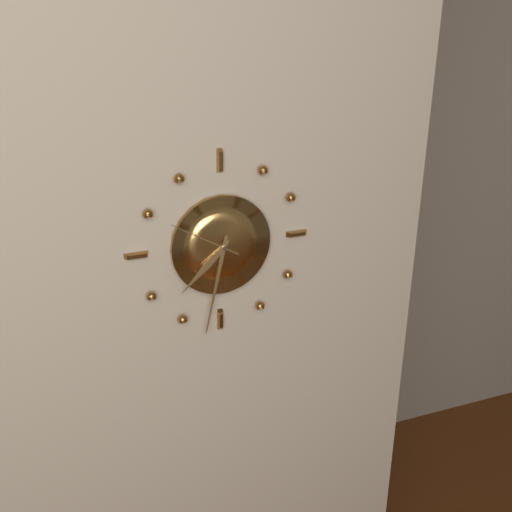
7:32:50
